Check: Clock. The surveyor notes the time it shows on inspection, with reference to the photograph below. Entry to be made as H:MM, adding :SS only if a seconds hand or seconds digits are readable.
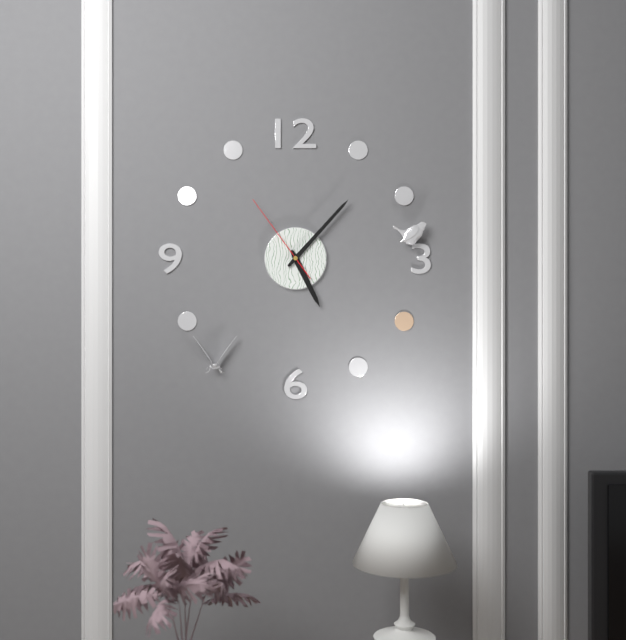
5:07:54
